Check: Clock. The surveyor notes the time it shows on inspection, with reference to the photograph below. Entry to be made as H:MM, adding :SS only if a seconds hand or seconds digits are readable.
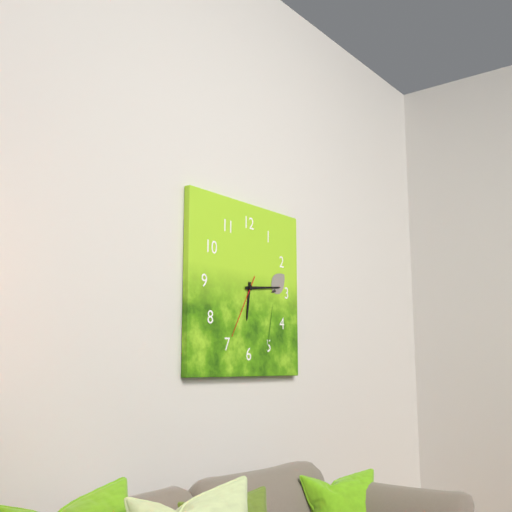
6:14:35
